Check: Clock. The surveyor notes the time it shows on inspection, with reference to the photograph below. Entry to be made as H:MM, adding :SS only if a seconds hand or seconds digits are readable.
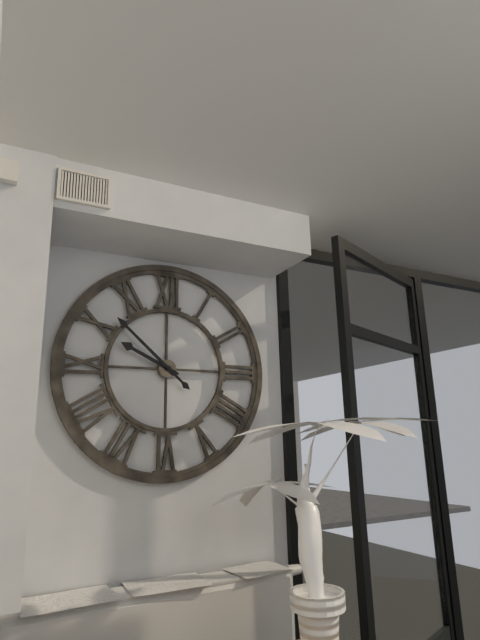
9:52
